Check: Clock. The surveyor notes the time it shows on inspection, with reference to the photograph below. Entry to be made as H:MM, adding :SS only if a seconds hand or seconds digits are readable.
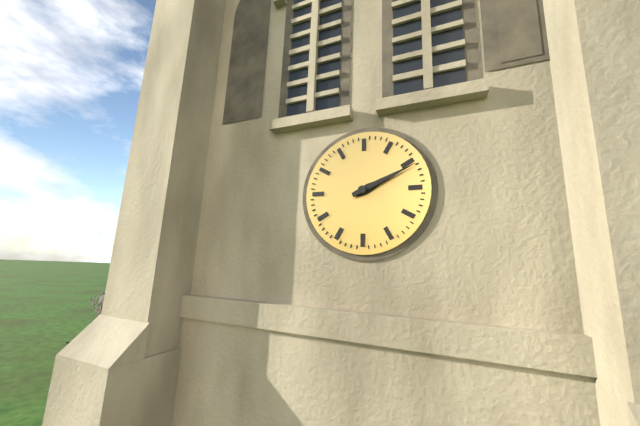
2:11
